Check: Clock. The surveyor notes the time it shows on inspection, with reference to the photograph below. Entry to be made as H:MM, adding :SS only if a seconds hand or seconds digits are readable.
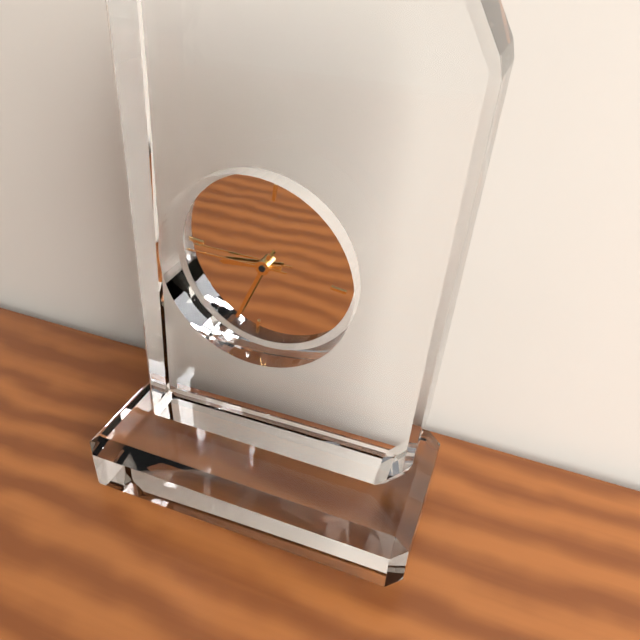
8:33:44
